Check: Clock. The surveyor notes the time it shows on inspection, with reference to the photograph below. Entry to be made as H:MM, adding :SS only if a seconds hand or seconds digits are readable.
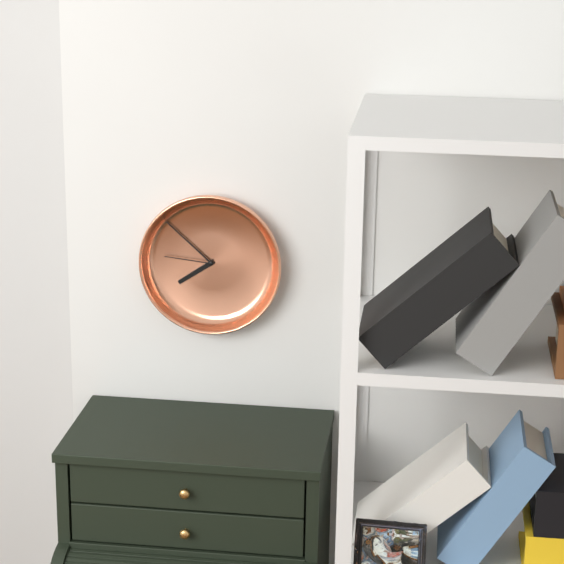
7:52:46
